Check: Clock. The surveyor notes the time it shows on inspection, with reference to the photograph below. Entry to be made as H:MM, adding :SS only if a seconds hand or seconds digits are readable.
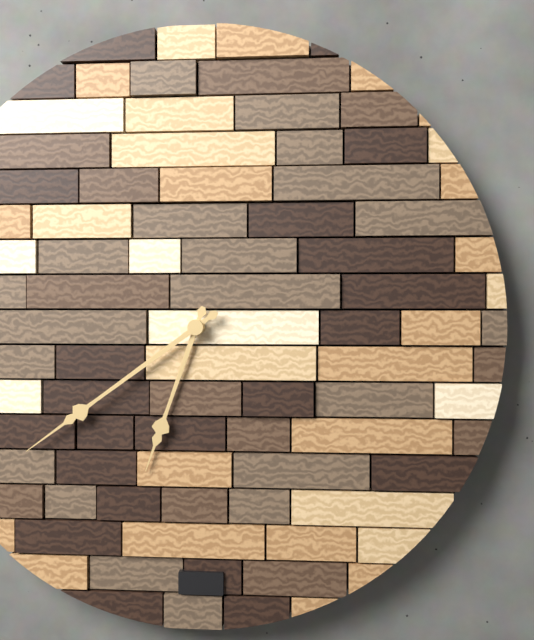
6:39
